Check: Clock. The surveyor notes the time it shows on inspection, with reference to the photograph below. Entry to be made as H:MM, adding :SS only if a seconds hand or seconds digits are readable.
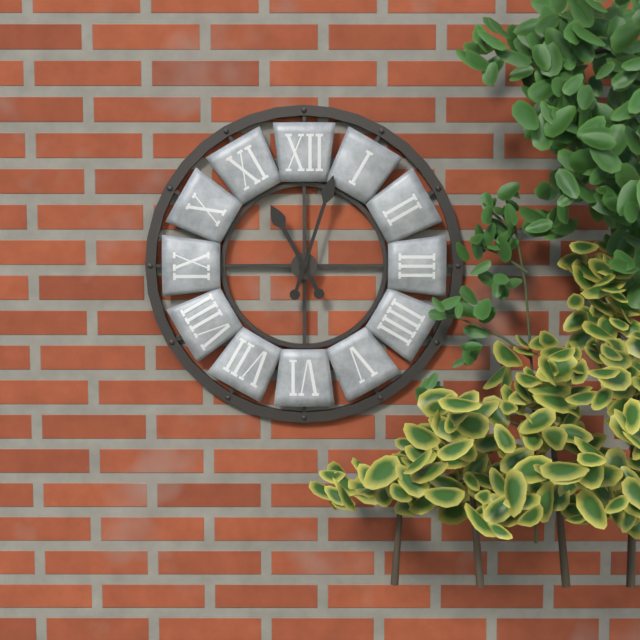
11:03
